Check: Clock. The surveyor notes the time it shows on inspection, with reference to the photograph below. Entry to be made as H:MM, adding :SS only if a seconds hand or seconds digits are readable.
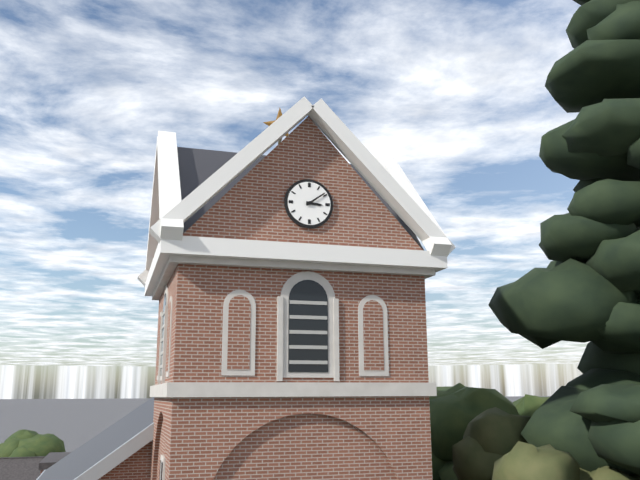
3:09
